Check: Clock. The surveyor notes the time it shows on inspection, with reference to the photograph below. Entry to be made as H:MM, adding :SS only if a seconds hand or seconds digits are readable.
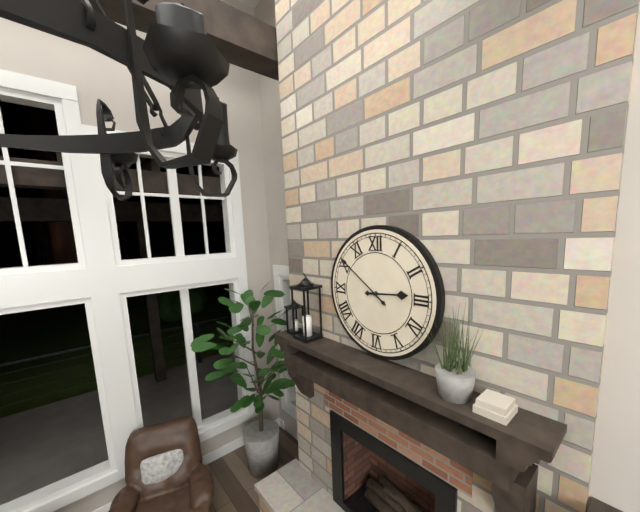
2:51
